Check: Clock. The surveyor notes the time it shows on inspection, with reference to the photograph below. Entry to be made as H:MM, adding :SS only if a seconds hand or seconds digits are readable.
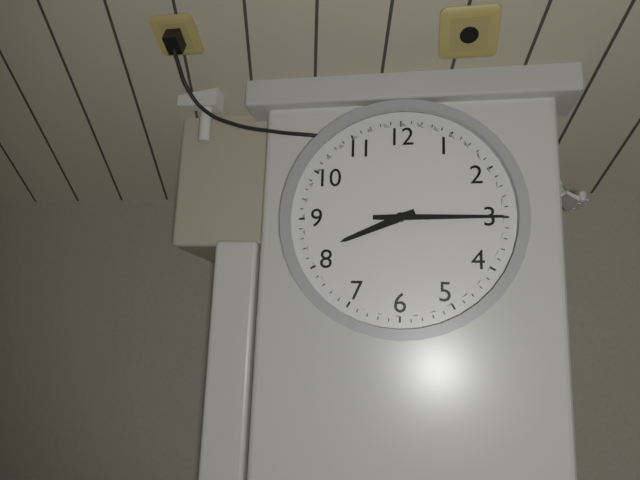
8:15
